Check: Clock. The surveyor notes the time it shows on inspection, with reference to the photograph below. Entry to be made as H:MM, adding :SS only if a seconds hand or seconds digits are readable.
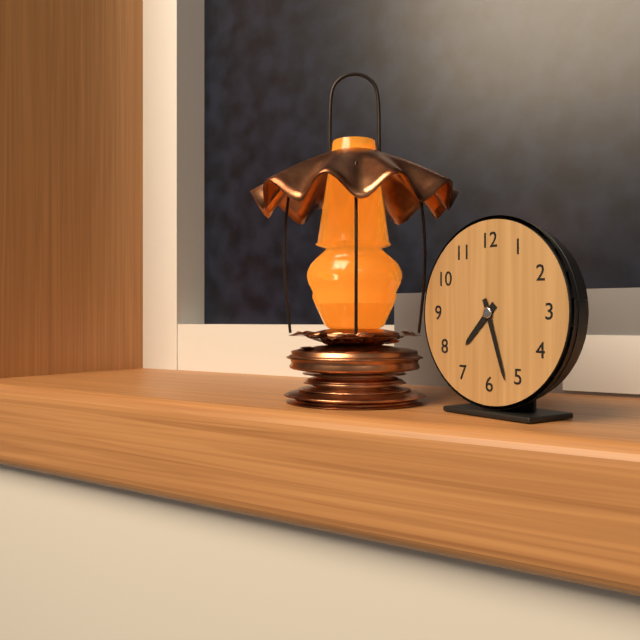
7:27
